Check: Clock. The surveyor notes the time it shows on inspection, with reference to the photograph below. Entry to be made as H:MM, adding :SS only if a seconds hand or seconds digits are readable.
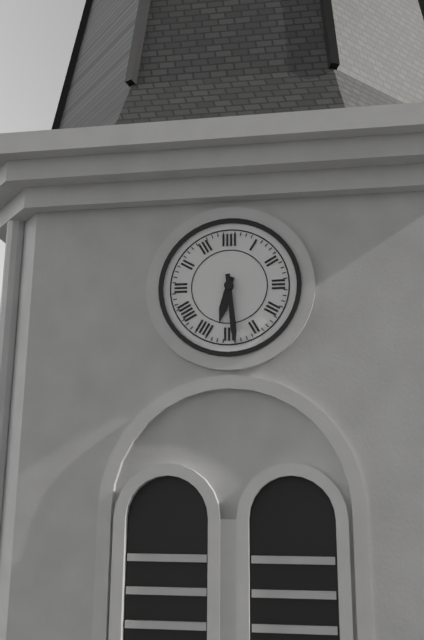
6:29
